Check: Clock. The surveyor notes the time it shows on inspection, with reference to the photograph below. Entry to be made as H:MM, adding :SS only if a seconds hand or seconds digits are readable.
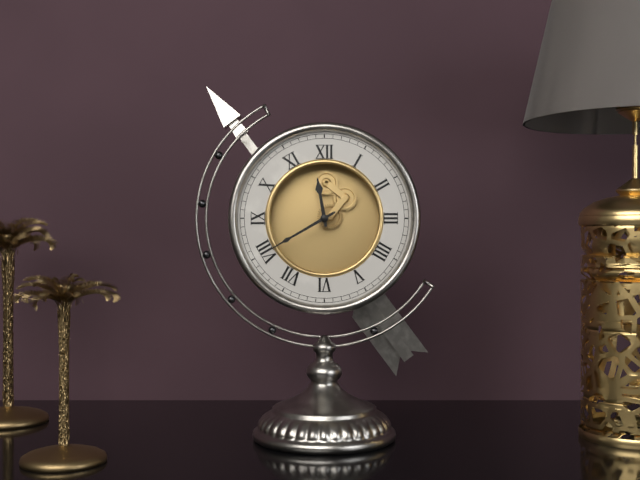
11:40
